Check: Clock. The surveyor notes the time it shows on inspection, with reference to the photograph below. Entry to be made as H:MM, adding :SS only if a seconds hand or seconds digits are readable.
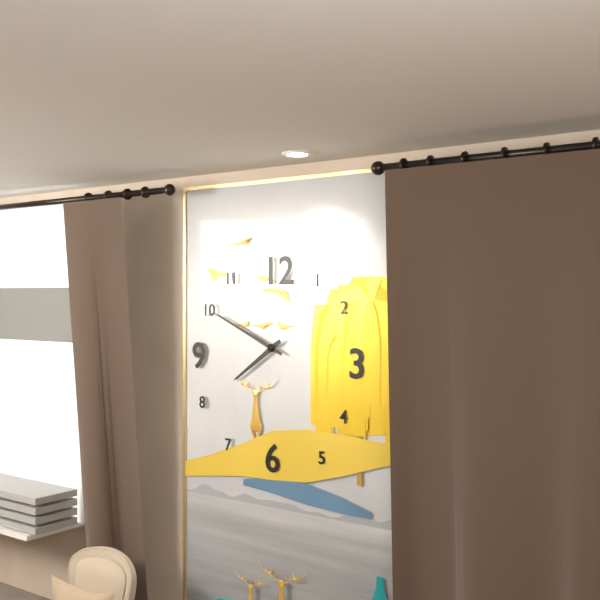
7:49
